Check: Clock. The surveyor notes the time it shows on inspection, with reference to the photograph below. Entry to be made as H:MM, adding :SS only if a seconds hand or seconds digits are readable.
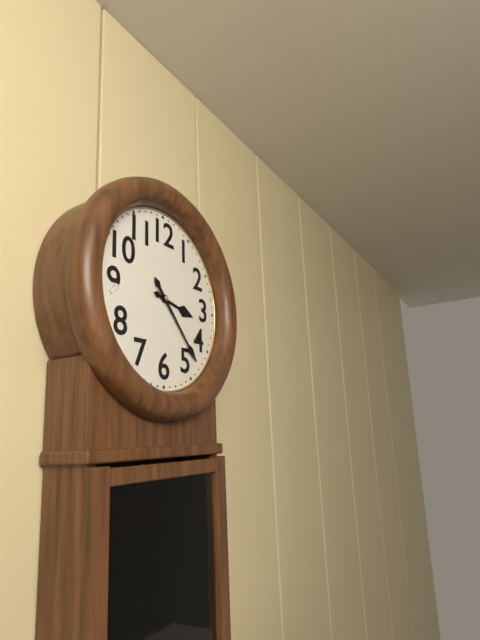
3:23
